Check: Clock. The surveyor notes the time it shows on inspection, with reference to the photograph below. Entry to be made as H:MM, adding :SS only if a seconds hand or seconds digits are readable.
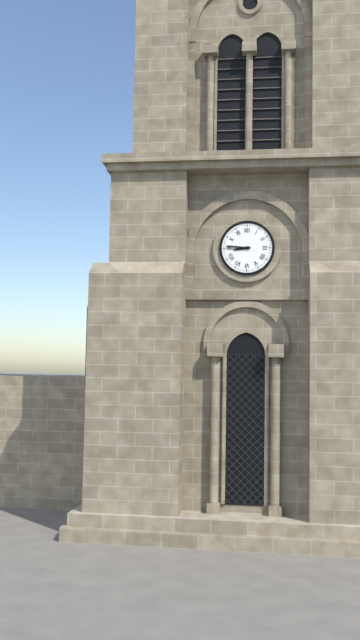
8:46
